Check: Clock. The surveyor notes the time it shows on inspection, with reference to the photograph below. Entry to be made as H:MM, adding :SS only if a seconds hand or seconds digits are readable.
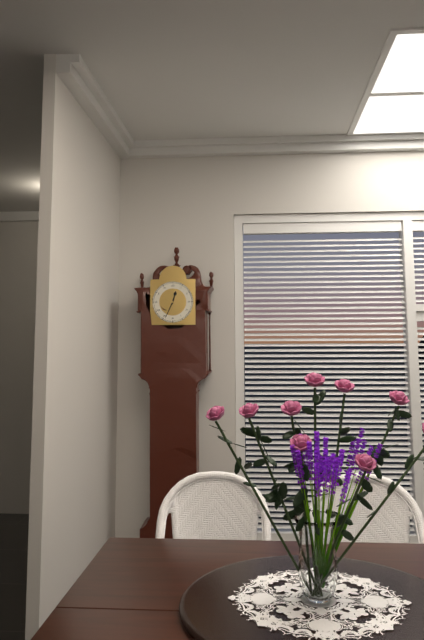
12:34
